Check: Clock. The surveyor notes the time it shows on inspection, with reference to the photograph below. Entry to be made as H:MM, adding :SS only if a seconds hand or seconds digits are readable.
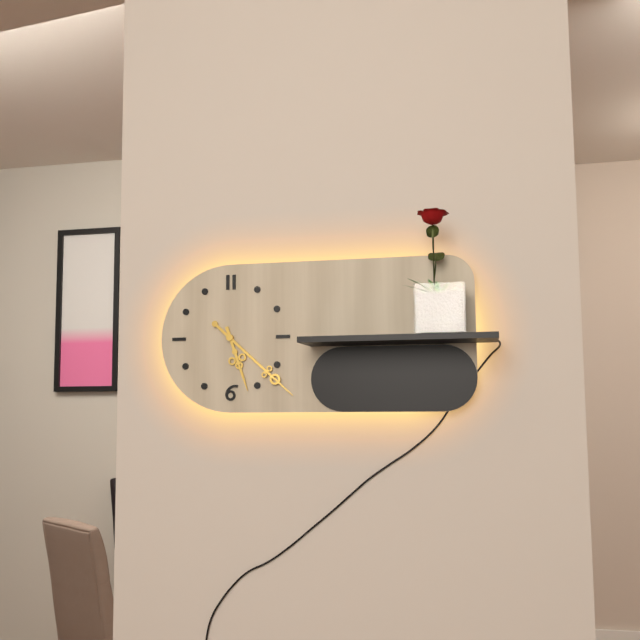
5:22
